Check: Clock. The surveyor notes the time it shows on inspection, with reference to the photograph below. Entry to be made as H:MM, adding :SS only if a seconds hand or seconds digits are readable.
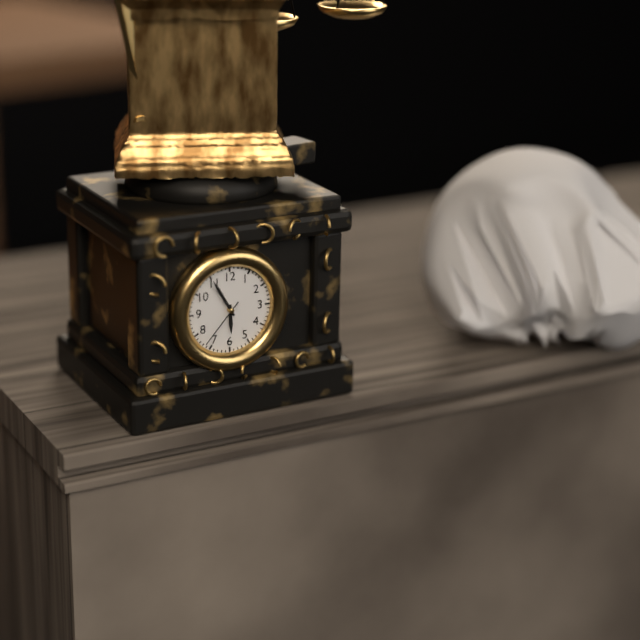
5:55:37
